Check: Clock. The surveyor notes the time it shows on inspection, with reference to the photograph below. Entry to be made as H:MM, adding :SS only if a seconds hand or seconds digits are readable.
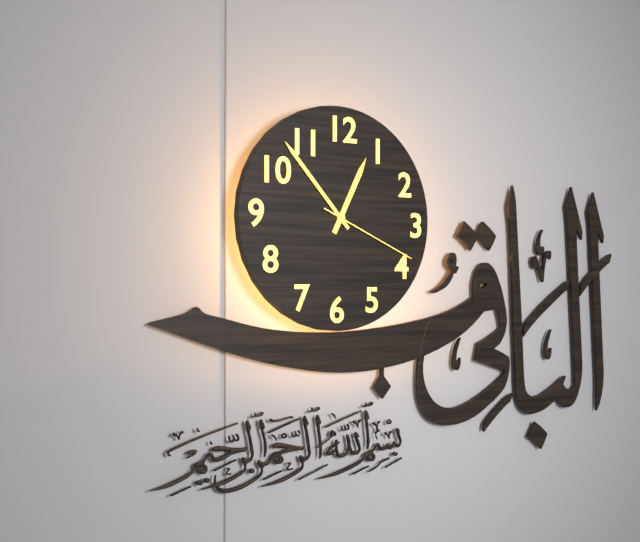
12:53:19
